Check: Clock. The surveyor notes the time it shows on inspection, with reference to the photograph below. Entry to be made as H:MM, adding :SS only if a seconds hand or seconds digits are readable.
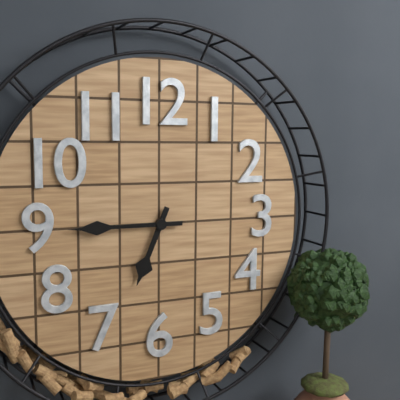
6:45
